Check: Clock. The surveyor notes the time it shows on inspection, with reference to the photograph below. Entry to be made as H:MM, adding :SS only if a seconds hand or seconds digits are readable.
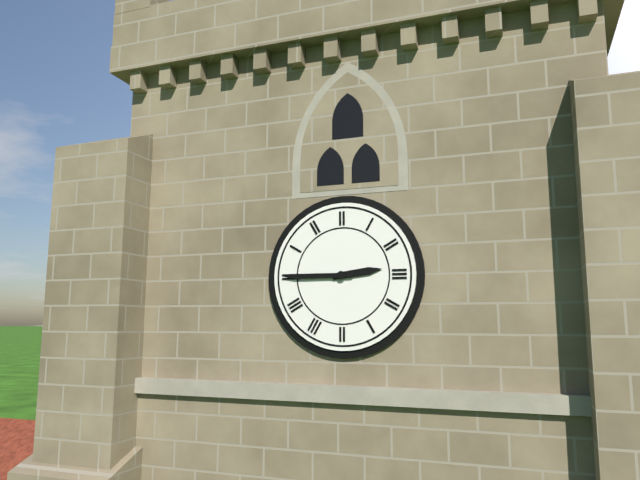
2:45
